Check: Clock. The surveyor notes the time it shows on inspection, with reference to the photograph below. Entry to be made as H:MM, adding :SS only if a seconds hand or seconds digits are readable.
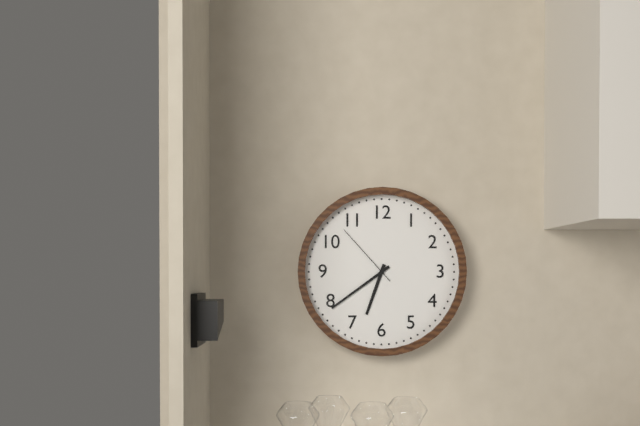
6:39:53
